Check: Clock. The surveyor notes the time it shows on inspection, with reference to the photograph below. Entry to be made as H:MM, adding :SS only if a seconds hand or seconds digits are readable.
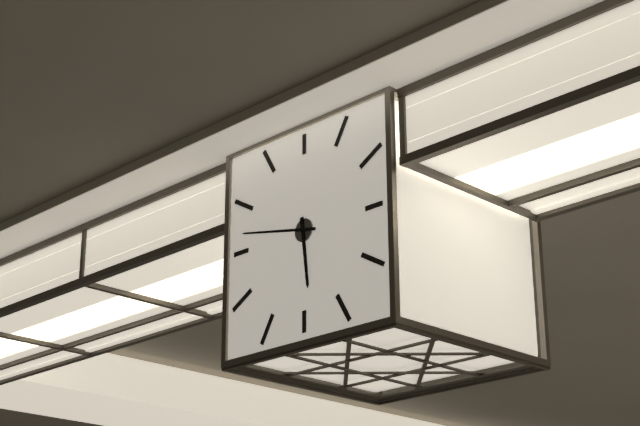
5:47
